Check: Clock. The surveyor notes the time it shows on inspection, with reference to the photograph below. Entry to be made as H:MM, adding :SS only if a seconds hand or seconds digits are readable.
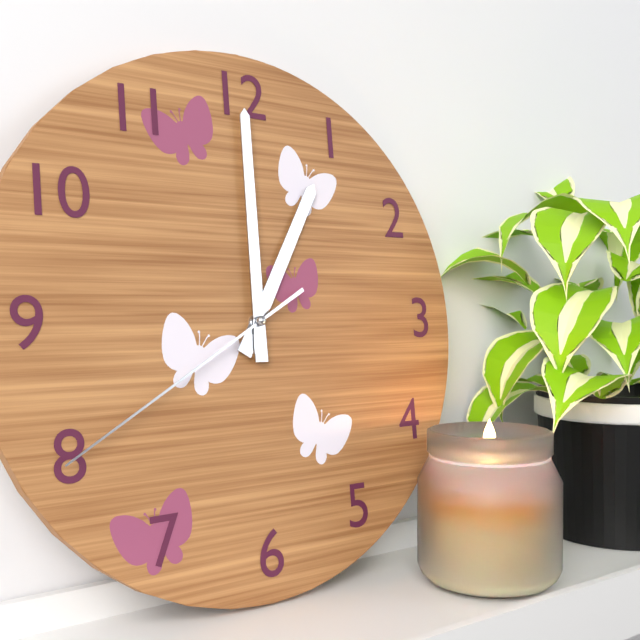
1:00:40
